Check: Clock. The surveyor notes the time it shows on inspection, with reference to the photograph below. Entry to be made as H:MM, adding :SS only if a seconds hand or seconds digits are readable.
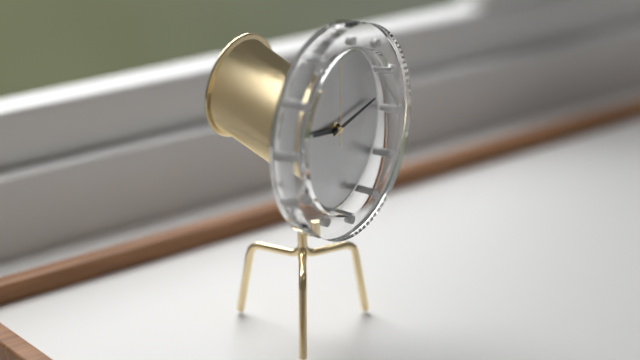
9:13:00
